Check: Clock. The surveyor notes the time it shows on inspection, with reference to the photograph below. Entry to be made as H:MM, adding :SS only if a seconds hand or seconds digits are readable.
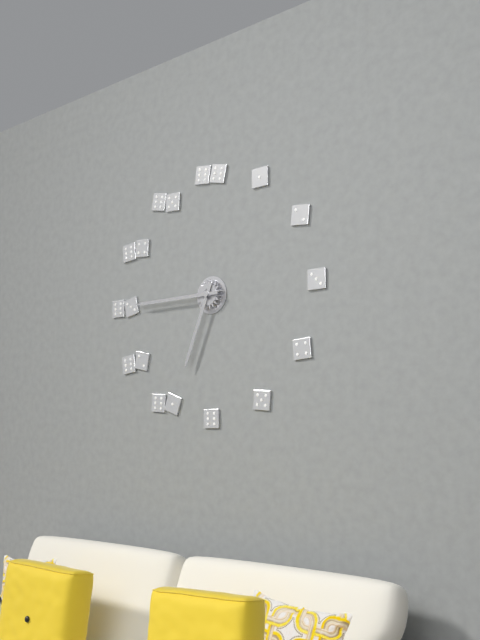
6:45
